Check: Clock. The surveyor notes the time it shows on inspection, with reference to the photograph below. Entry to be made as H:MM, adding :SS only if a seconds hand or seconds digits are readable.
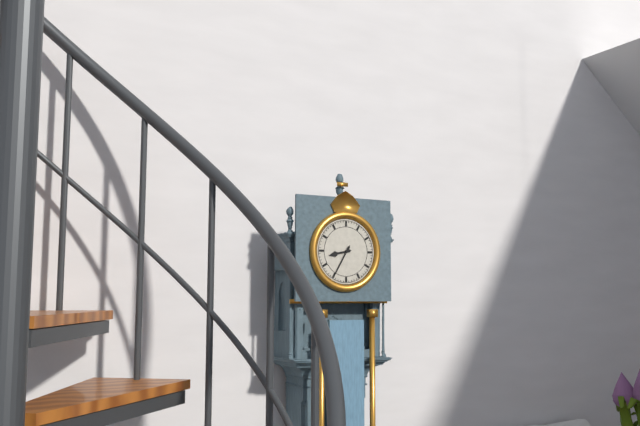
8:35
